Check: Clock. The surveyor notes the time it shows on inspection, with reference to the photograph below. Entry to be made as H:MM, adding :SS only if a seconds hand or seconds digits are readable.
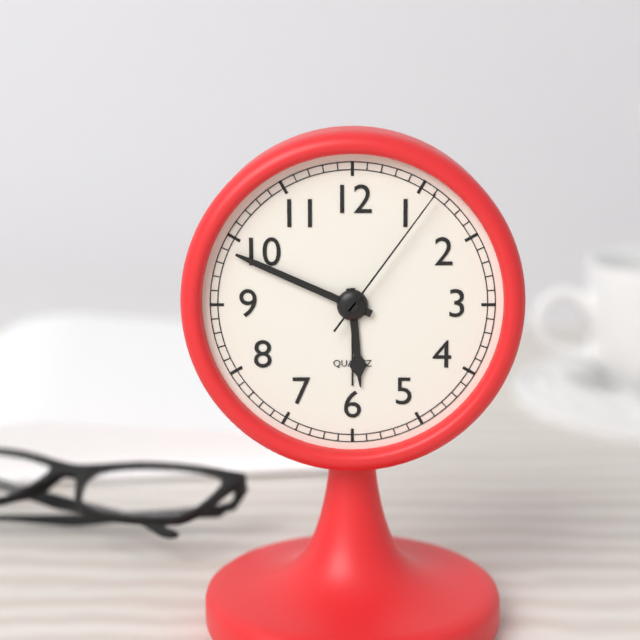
5:49:06
